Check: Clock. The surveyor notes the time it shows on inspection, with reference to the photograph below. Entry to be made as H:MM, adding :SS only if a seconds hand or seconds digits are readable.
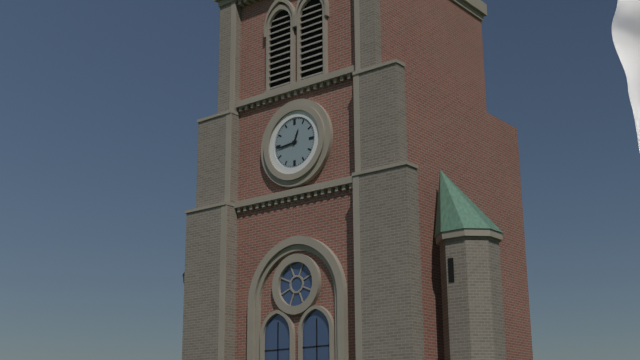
12:44
